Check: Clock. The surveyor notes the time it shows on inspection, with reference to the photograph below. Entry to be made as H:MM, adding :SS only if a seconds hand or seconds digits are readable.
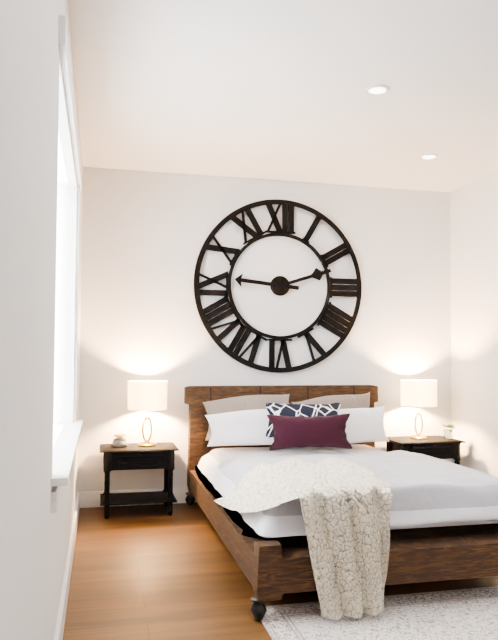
9:12
